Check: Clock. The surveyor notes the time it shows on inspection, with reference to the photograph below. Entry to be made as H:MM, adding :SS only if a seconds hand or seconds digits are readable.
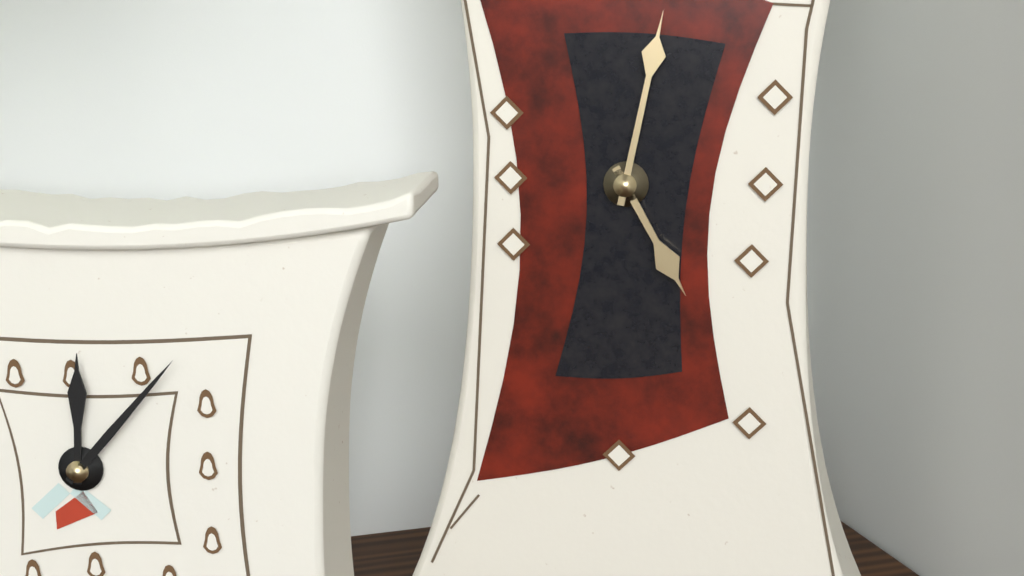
5:02
